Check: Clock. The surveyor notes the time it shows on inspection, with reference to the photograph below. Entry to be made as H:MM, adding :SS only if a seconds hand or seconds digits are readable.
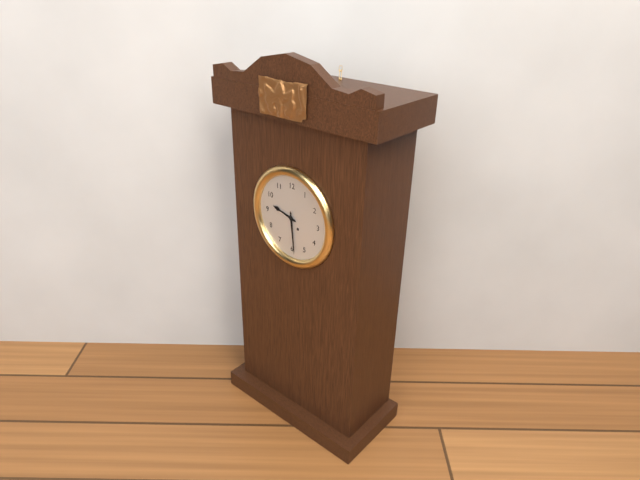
9:29
